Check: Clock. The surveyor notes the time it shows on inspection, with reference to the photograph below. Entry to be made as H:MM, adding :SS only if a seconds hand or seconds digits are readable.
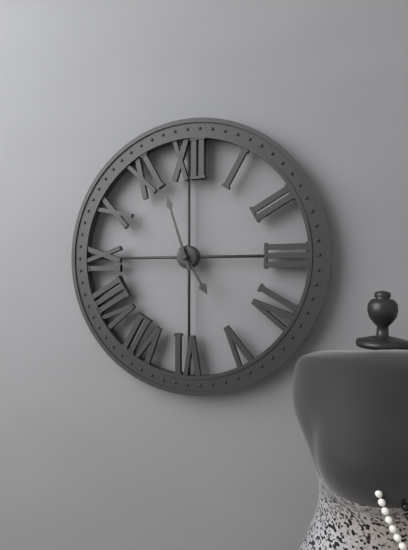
4:57
